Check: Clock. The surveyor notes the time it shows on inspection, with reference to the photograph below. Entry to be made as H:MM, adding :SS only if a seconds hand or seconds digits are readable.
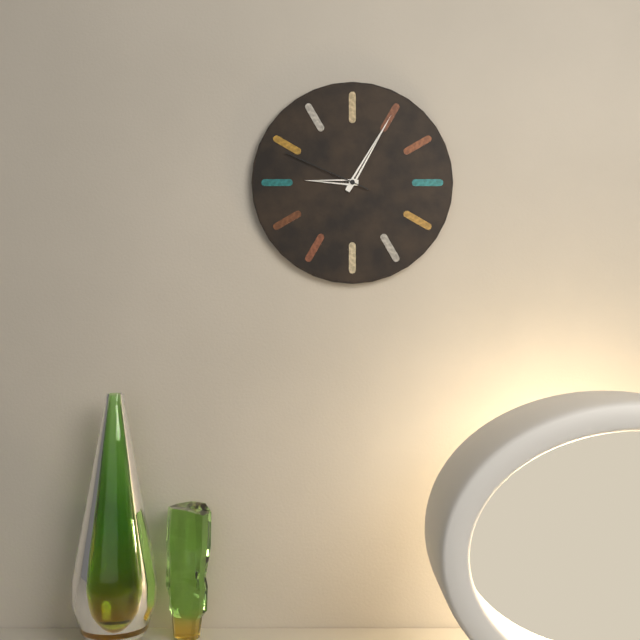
9:05:49
